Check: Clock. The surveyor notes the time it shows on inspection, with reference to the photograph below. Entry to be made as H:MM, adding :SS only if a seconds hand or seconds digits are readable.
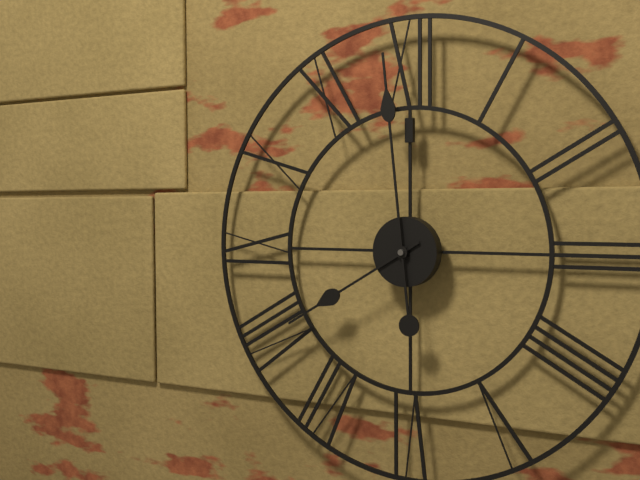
7:59
